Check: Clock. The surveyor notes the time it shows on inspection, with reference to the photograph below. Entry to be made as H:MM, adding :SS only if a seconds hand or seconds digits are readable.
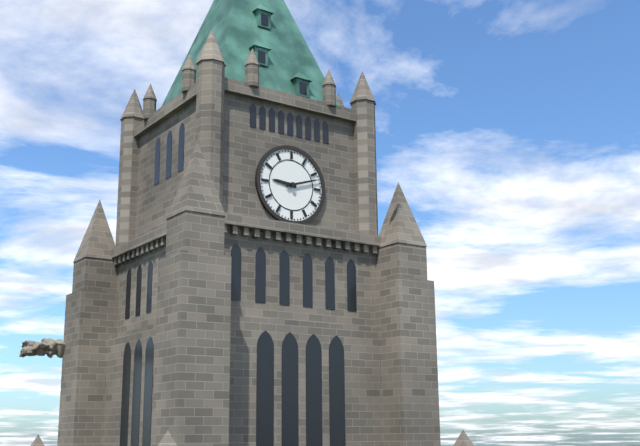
9:12
